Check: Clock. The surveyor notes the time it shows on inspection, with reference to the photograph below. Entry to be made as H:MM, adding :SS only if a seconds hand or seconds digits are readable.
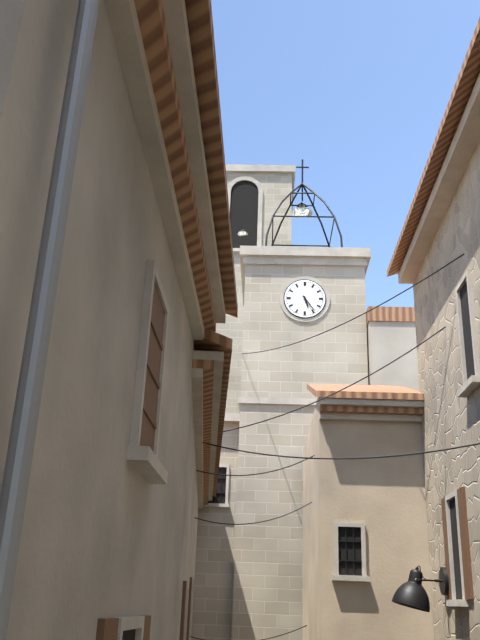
5:24
